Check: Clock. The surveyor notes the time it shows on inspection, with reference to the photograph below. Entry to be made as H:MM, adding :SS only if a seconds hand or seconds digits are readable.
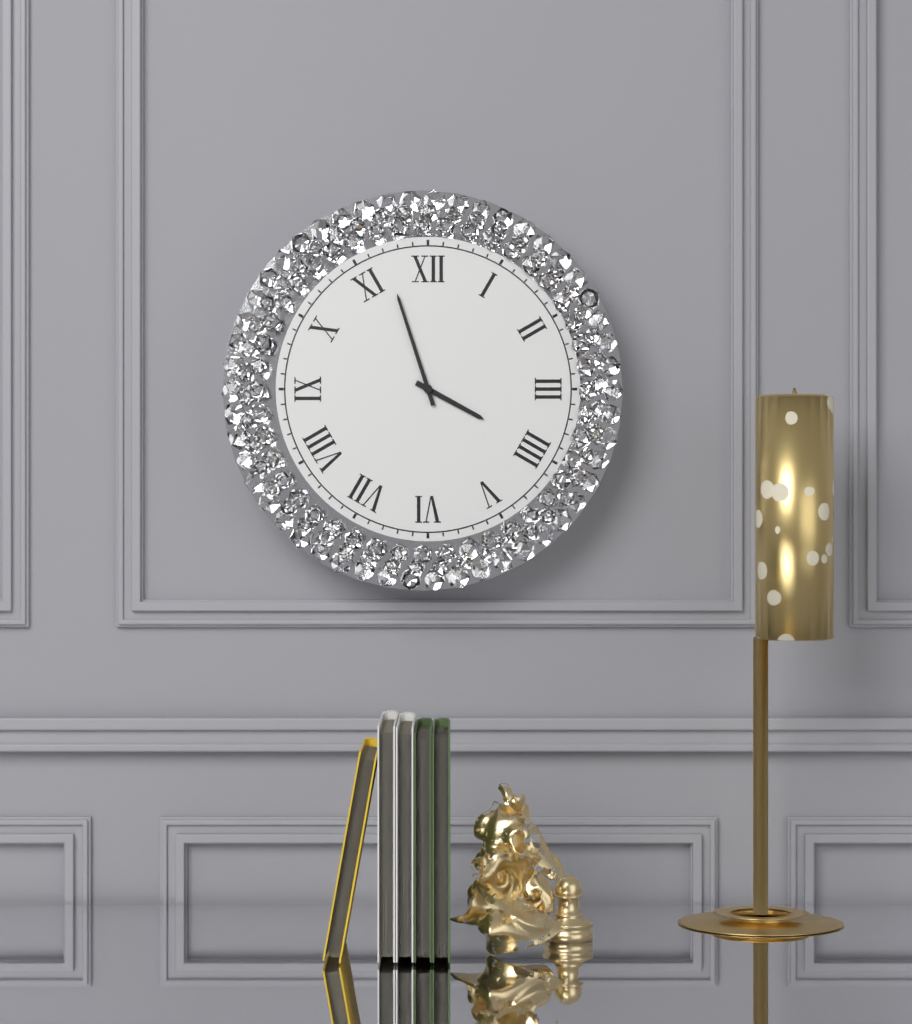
3:57
